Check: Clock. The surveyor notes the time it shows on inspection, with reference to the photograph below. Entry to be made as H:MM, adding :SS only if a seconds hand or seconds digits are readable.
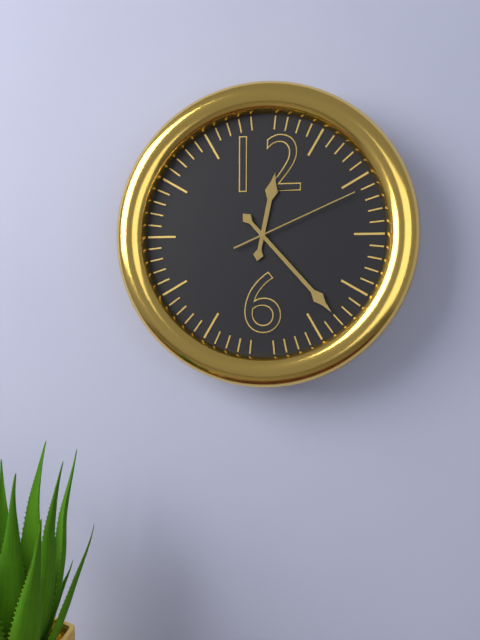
12:23:11
